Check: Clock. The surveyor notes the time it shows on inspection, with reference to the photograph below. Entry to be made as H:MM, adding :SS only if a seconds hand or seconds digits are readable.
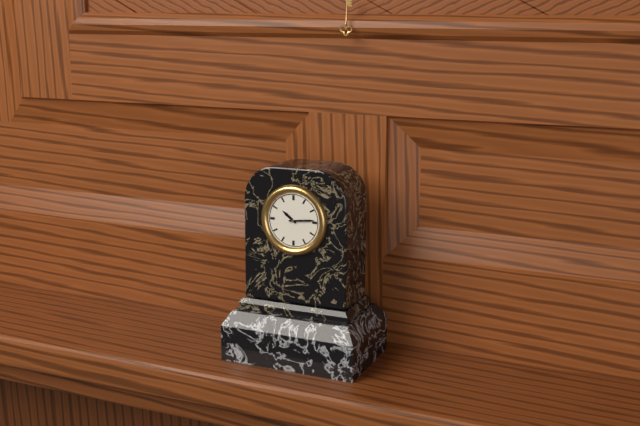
10:14
